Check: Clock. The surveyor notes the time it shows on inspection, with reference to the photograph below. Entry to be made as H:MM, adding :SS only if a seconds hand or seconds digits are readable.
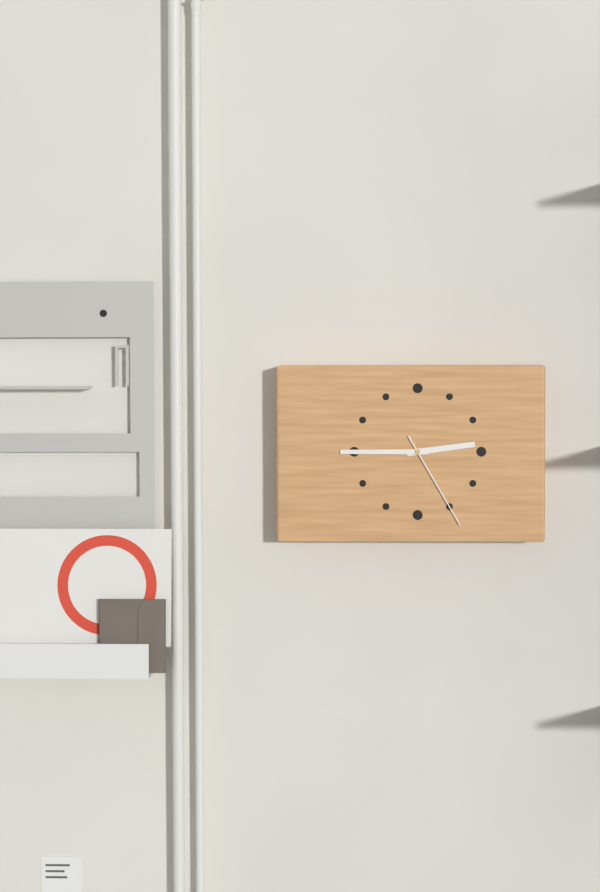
2:45:25
